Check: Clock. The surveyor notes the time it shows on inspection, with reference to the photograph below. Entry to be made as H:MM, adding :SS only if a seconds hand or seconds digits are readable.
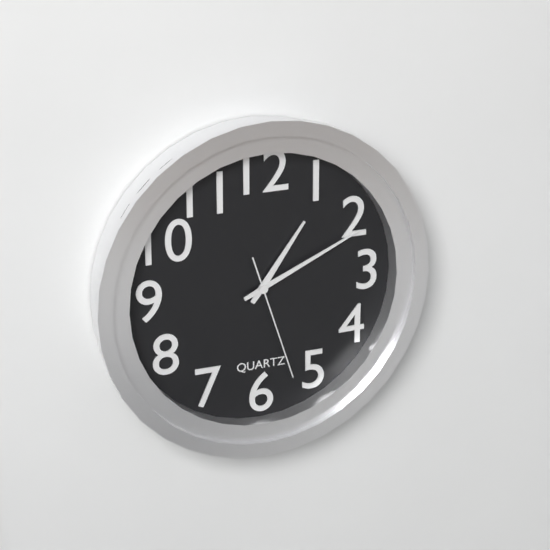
1:11:27
